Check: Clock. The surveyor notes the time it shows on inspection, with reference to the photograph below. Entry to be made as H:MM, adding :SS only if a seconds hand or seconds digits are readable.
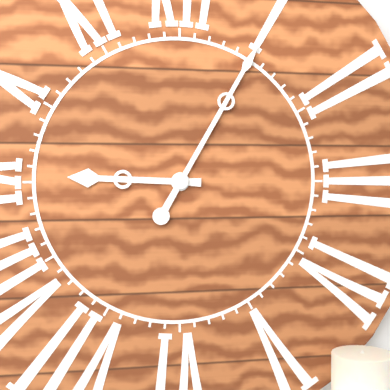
9:05
